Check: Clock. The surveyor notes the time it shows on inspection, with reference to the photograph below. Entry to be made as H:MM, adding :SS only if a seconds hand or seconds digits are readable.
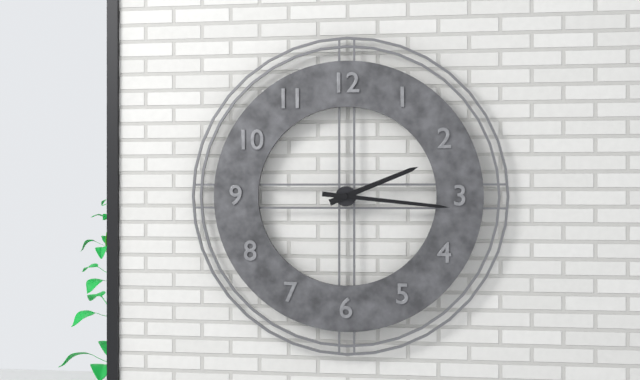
2:16
